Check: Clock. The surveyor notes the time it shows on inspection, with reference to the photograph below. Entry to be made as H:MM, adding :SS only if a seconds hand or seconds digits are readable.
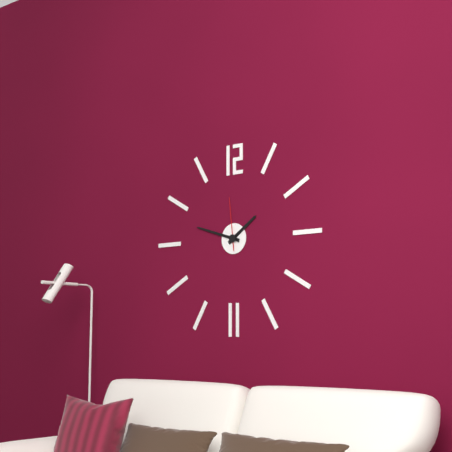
1:48:59
